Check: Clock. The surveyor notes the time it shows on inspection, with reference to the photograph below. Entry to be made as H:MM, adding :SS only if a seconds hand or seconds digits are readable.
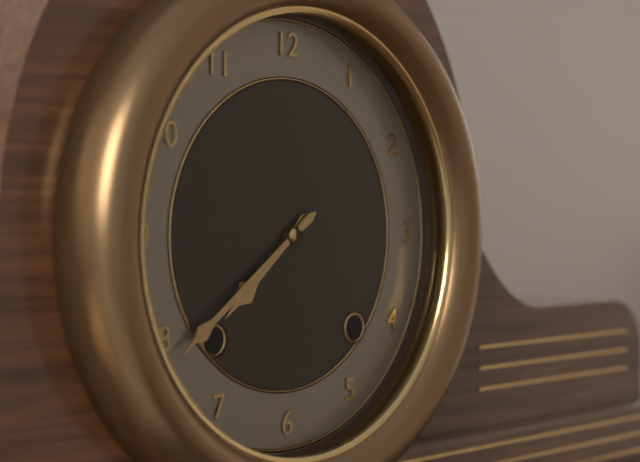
7:39
